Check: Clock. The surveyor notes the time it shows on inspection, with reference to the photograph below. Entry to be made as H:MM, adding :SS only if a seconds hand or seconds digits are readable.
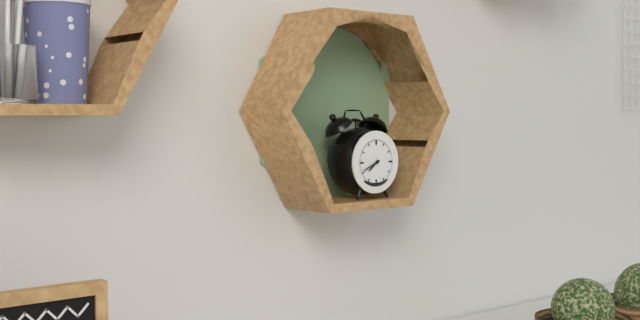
7:41
